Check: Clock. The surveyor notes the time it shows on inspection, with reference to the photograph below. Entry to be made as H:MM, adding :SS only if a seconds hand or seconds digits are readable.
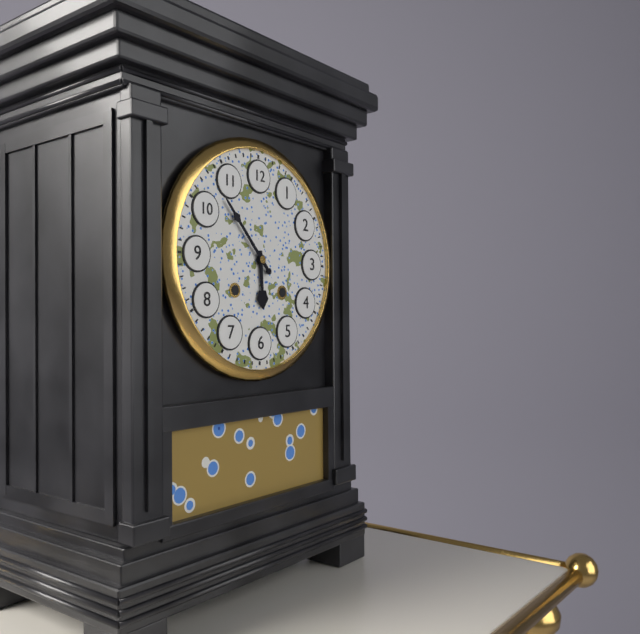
5:53
